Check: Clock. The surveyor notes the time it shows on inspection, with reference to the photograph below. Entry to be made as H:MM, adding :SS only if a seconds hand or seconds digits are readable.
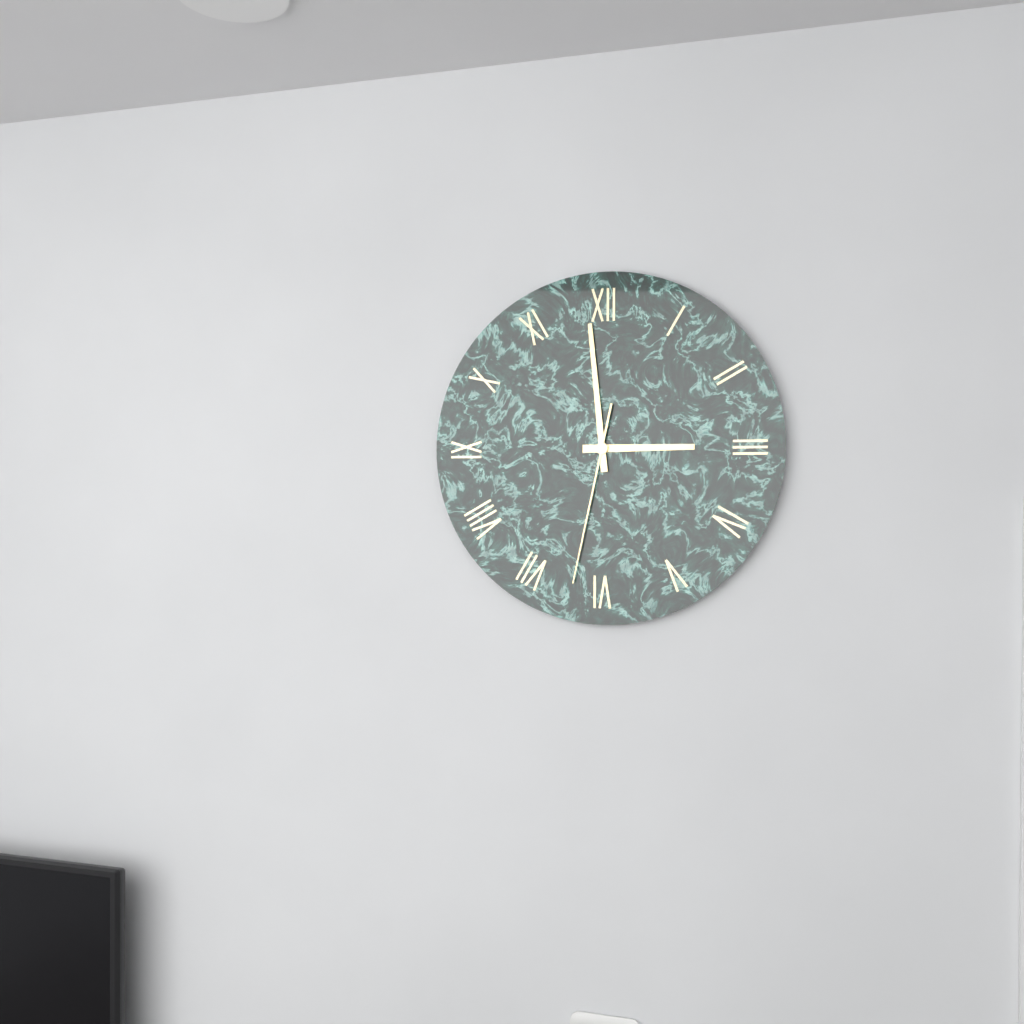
2:59:32
